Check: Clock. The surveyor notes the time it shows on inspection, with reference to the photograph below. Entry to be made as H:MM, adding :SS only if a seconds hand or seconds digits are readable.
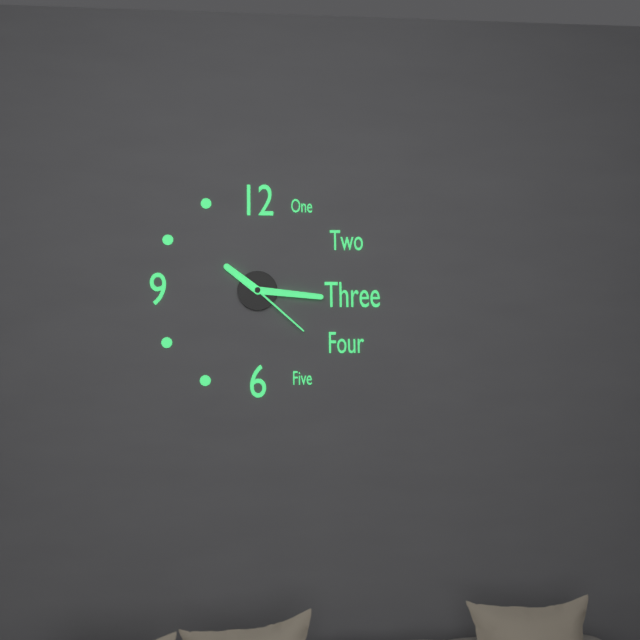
10:16:22
